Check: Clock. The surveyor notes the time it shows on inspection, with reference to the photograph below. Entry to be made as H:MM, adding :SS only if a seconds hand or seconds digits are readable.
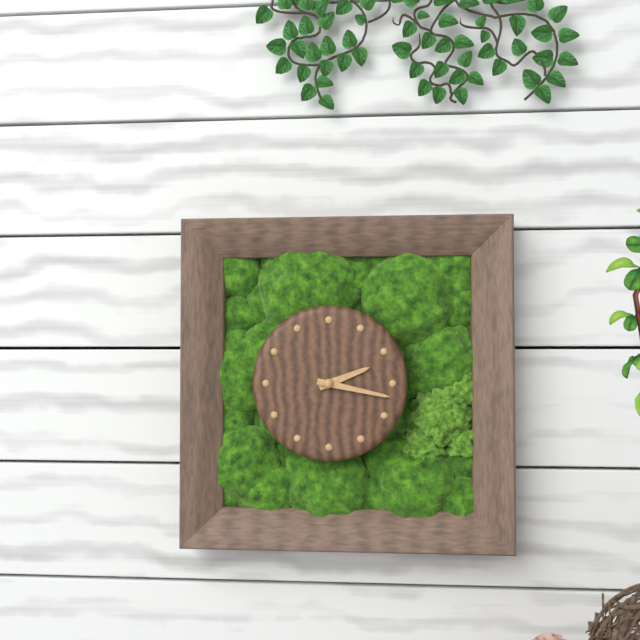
2:17
